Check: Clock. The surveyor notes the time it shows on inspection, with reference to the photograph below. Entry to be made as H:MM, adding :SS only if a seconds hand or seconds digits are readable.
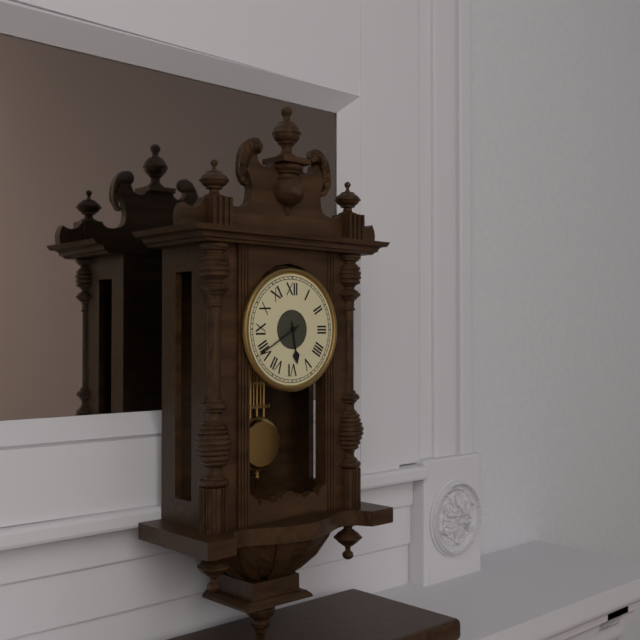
5:40
